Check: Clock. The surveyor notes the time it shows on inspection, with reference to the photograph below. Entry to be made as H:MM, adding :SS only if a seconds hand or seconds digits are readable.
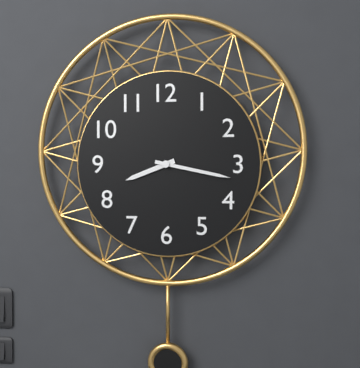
8:17
